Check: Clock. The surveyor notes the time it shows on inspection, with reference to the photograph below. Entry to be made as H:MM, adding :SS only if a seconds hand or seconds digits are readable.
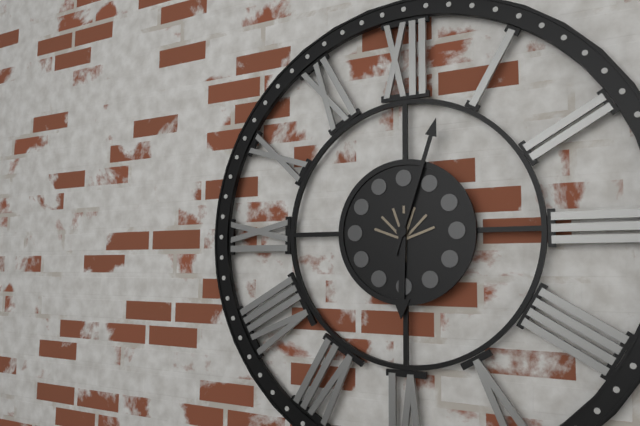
6:03
